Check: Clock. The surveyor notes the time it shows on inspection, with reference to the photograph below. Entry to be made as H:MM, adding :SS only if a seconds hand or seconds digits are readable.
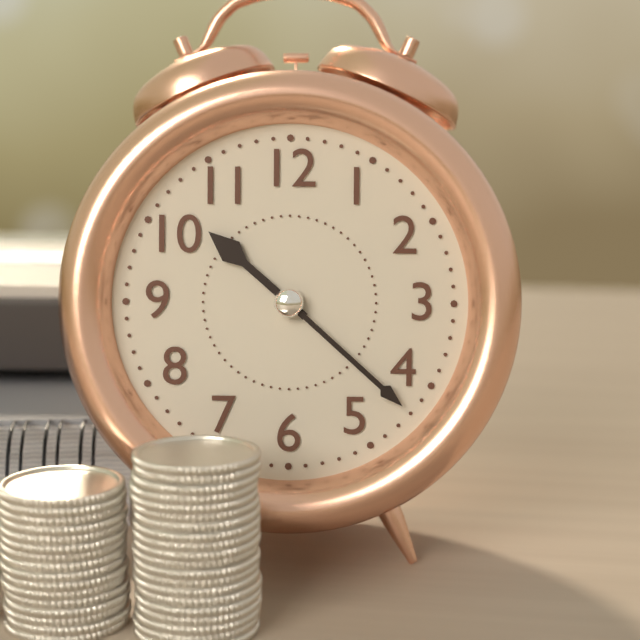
10:22
